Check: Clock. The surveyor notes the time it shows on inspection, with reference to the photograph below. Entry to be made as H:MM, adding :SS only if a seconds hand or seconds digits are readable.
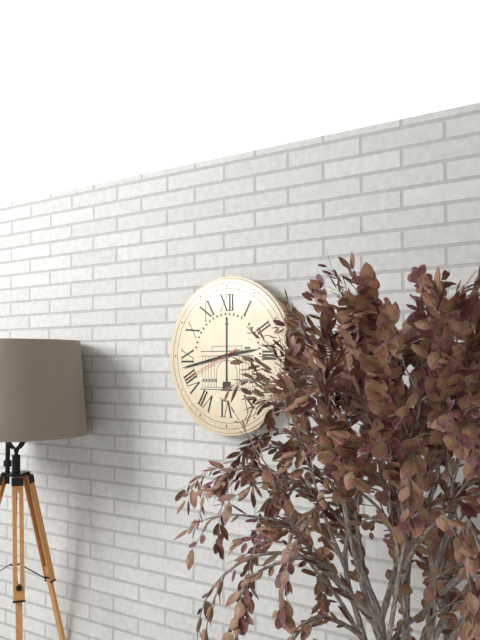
2:43:41
